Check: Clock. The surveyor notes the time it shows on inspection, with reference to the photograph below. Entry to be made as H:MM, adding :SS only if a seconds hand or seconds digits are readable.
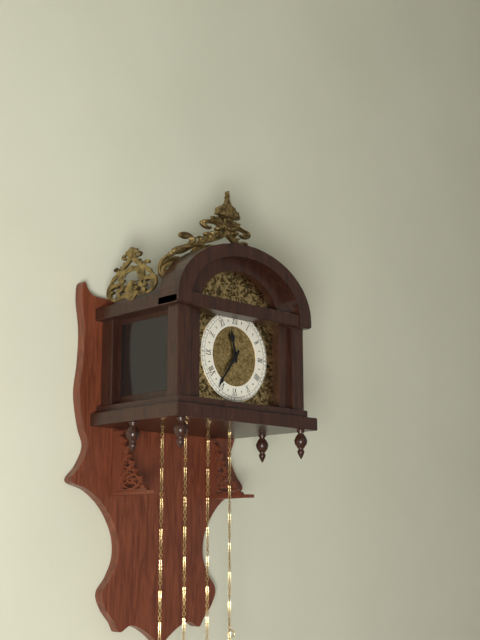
11:36
